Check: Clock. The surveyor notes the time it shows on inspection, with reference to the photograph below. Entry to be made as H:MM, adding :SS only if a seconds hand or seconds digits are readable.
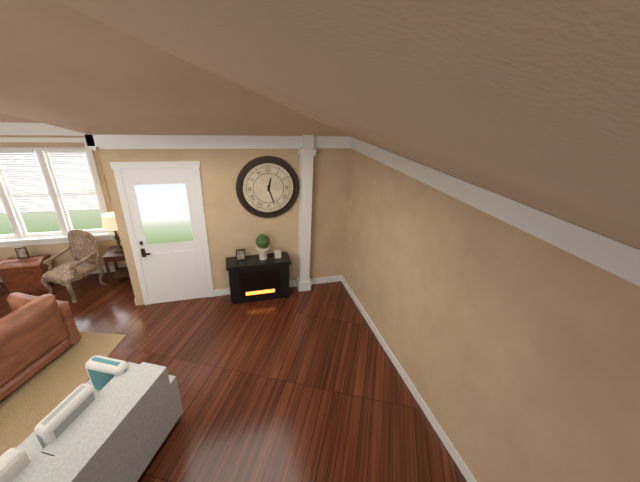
12:27
